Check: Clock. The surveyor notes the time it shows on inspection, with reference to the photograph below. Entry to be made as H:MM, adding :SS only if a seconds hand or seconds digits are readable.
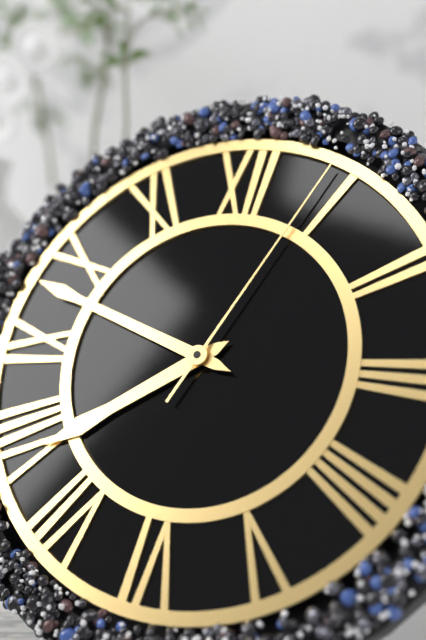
7:48:04
